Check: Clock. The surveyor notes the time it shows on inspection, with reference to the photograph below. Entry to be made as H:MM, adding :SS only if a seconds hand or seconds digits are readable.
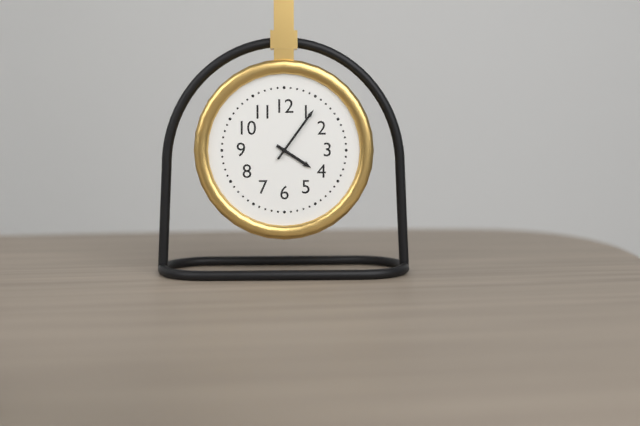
4:06
